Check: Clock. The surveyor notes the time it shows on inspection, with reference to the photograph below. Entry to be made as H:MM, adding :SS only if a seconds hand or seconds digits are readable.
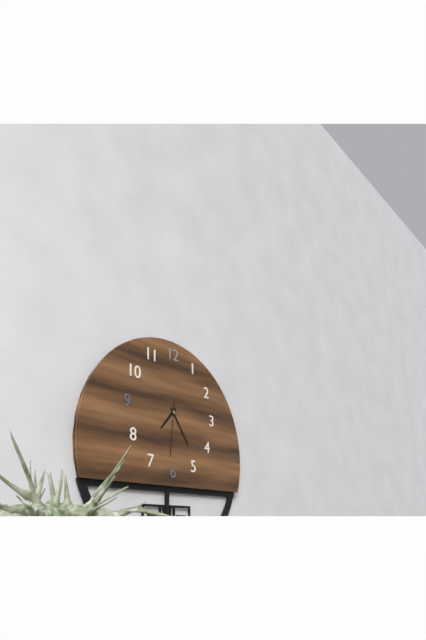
7:24:31
